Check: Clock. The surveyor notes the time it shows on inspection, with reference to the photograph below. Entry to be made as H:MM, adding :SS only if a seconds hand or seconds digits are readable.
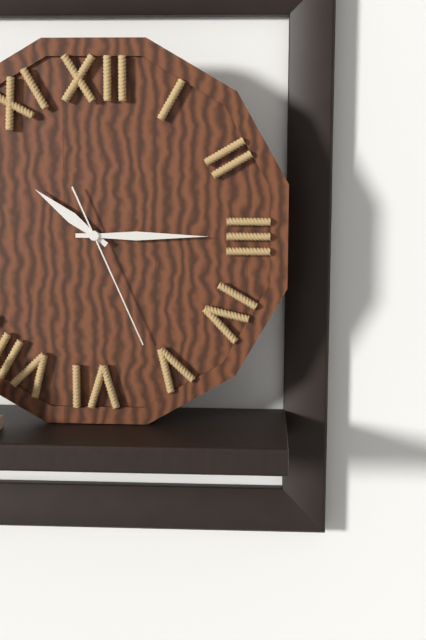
10:15:26
